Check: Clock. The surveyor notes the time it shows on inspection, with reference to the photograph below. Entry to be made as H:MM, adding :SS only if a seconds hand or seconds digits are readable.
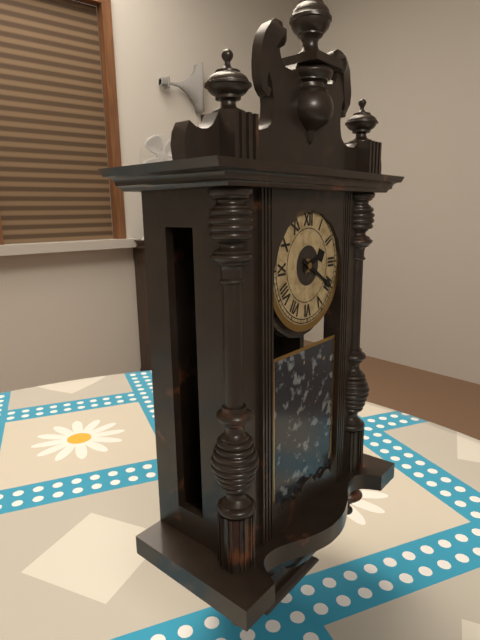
2:20
